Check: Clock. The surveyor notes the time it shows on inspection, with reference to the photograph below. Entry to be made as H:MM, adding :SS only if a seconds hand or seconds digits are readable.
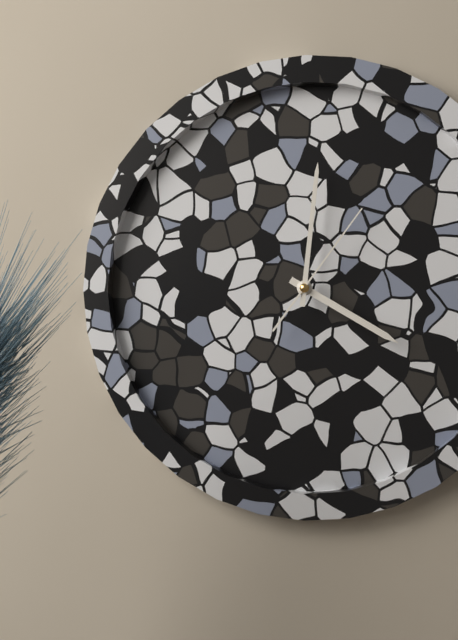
4:01:06
